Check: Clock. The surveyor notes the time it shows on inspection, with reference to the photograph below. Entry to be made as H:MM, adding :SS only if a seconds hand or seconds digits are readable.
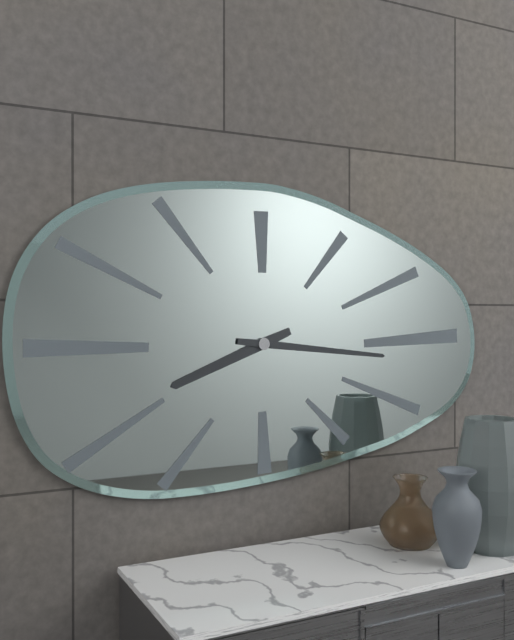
8:16
